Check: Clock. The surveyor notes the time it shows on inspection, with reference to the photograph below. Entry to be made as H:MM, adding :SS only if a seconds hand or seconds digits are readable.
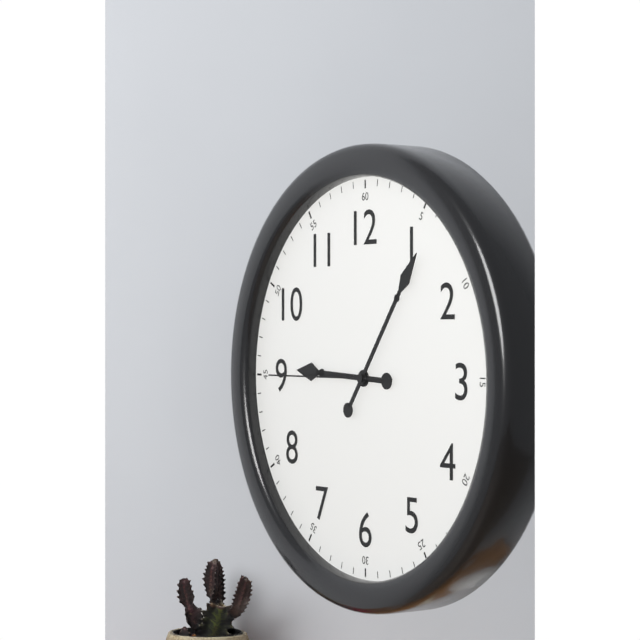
9:06:45
